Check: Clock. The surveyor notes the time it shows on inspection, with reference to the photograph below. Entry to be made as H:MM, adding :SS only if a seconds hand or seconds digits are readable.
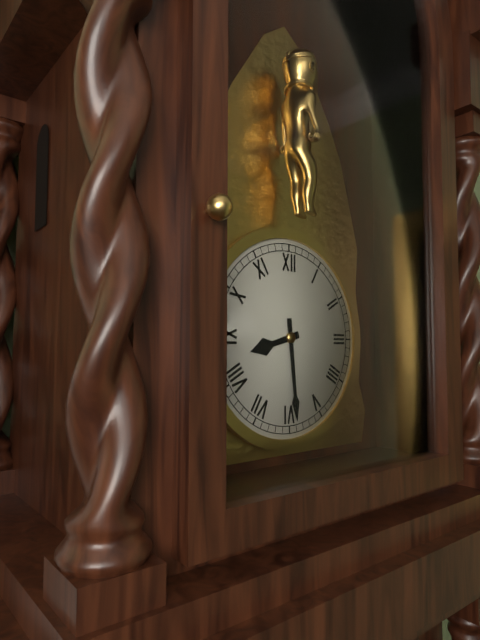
8:29
